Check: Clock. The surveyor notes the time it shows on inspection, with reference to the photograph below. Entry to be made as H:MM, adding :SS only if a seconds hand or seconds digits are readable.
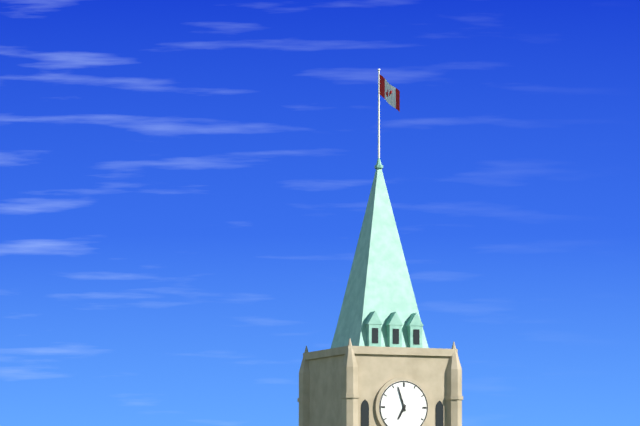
6:57
